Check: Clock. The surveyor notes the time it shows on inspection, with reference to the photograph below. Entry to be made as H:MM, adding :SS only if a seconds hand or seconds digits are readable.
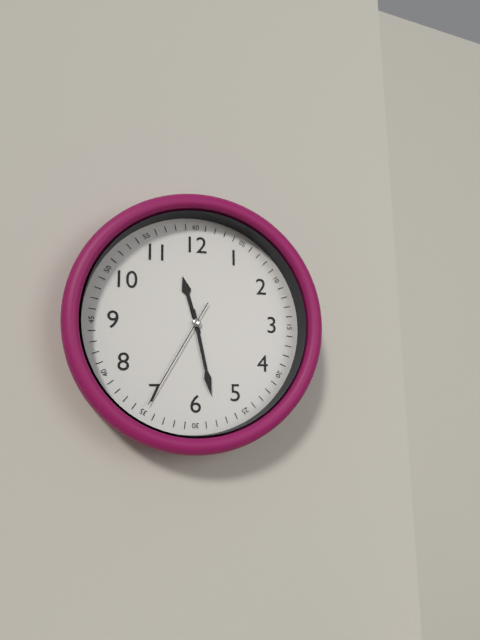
11:28:35
